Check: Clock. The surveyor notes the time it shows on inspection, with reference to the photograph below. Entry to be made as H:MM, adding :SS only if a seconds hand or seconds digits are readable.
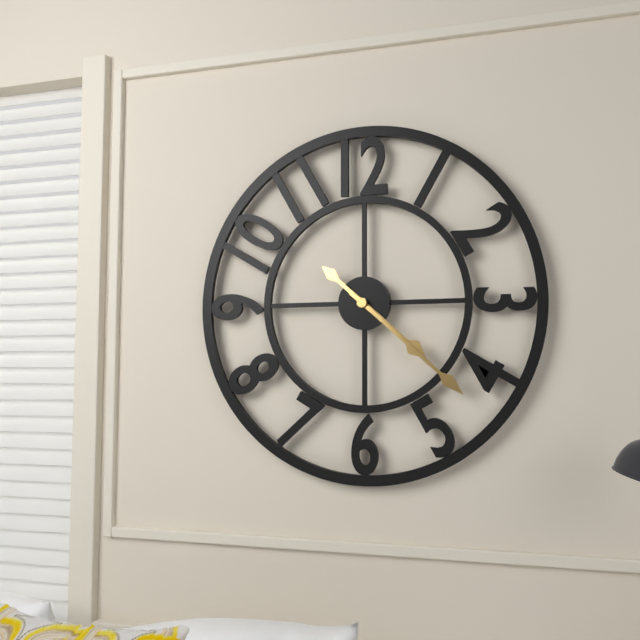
4:22
